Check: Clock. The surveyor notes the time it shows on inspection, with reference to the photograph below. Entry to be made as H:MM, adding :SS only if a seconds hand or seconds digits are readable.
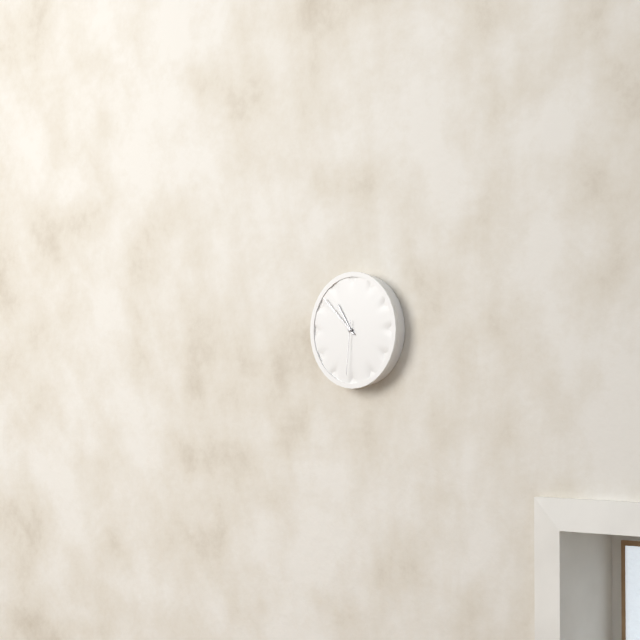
10:52:31
